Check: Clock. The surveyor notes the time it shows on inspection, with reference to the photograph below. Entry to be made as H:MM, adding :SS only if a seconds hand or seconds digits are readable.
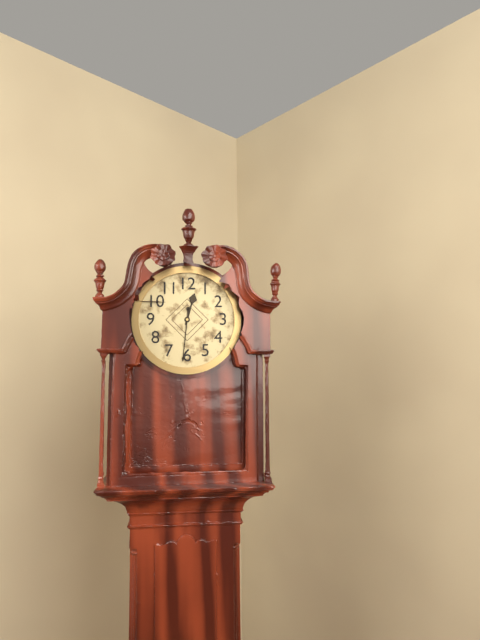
12:31
